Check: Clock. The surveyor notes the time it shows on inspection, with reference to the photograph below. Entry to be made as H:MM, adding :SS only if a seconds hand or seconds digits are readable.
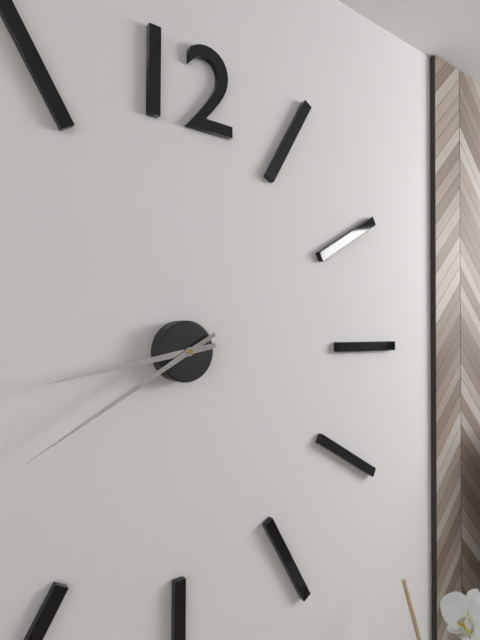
8:40
